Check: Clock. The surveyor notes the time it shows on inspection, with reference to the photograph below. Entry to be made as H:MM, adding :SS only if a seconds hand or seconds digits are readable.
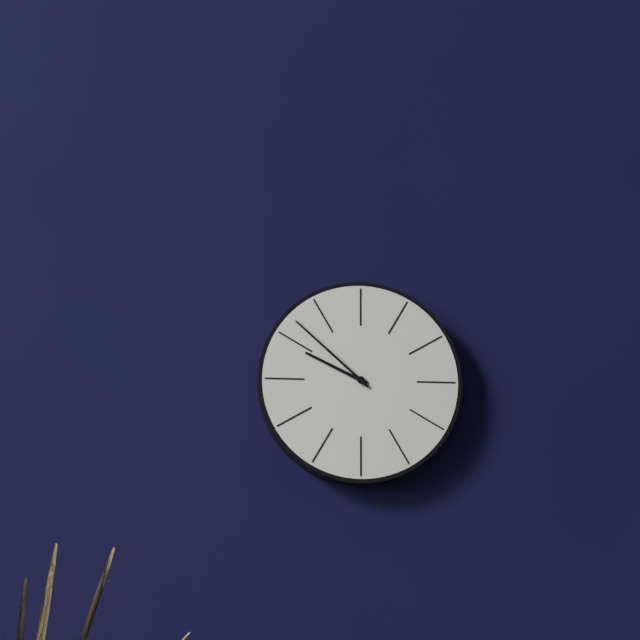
9:52
